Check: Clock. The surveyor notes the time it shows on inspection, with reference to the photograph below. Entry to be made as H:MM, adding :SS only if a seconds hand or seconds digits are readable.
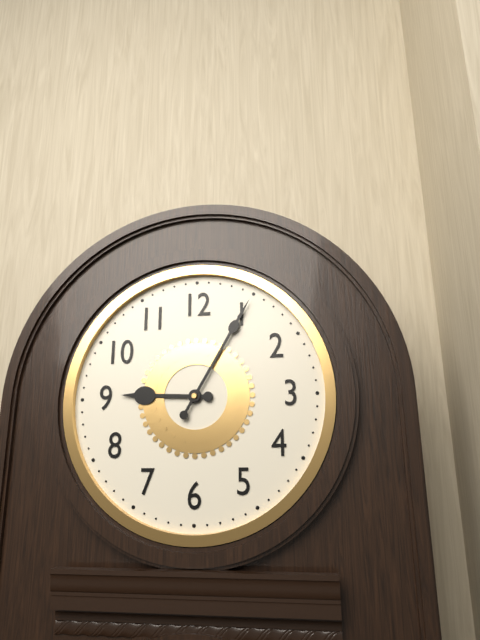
9:05
